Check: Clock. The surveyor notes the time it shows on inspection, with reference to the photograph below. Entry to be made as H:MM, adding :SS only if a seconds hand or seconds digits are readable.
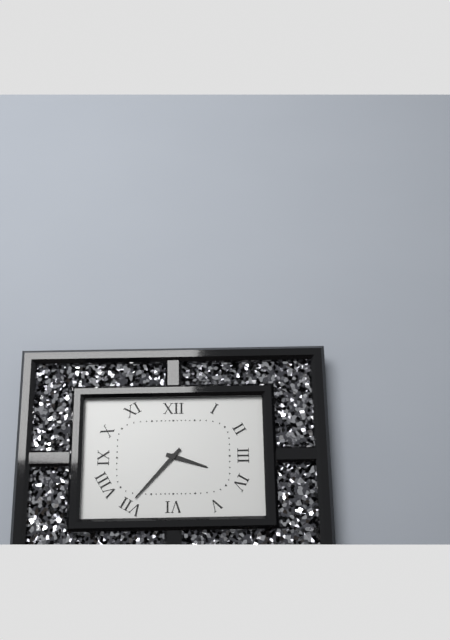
3:37
